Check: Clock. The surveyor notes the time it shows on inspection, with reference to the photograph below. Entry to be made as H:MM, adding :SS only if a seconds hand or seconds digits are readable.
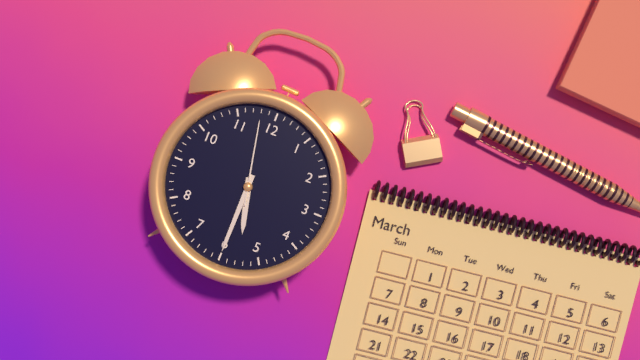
5:30:58
